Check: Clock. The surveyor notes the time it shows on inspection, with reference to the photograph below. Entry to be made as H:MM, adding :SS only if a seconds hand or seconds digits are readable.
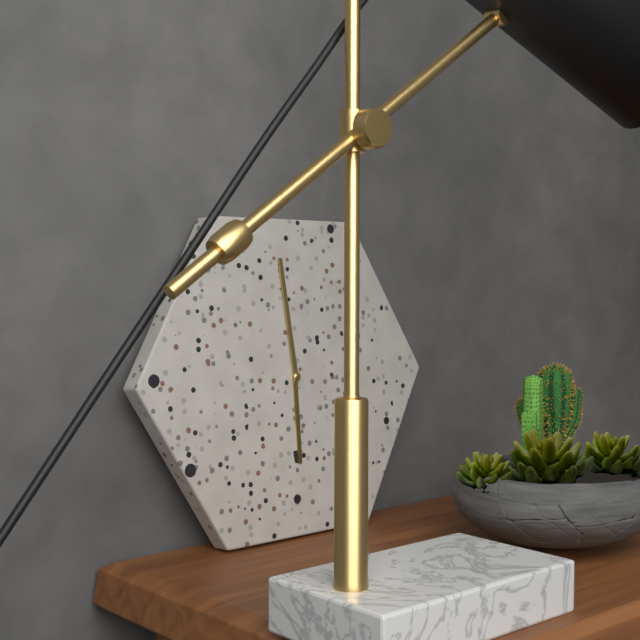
5:59
